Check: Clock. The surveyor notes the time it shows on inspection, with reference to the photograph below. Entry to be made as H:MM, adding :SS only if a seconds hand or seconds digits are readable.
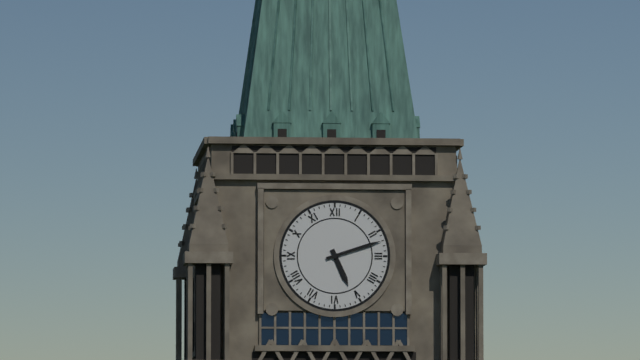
5:12
